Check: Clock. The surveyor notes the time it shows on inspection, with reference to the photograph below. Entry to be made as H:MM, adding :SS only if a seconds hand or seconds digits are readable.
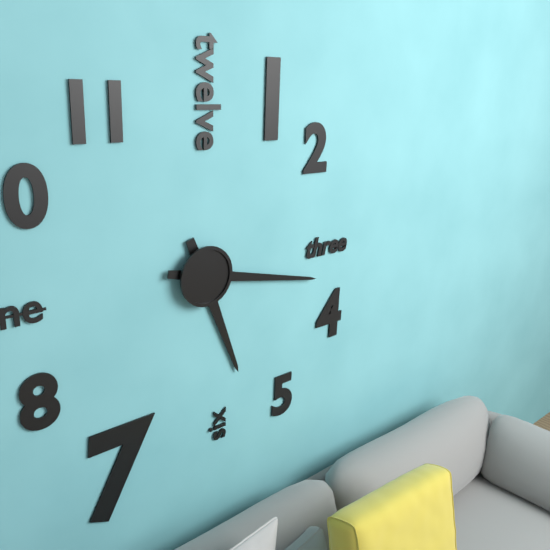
5:17
